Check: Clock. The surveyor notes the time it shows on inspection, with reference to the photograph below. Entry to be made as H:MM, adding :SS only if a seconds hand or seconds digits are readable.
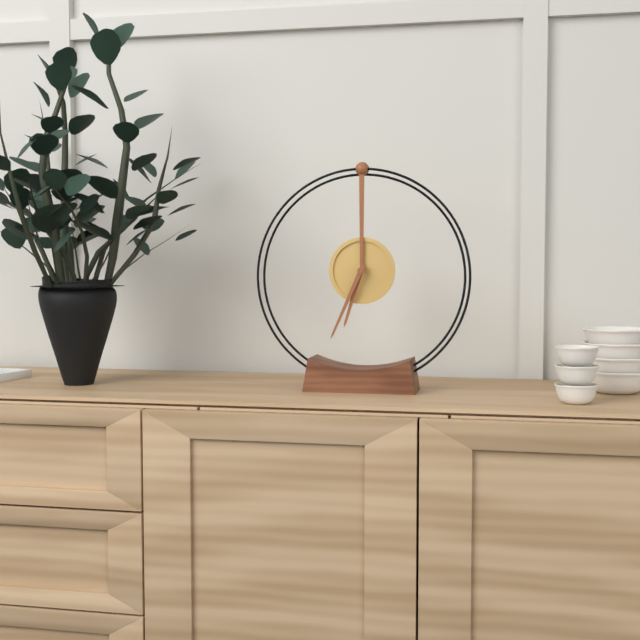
6:34
